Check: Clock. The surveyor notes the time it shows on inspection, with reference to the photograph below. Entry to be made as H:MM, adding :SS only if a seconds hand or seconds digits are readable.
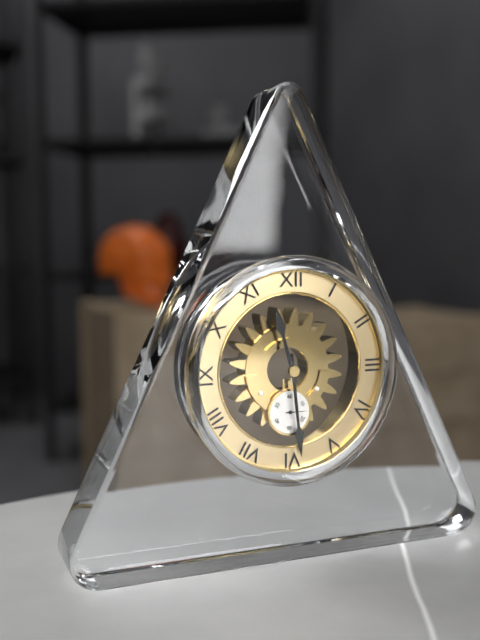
11:29
